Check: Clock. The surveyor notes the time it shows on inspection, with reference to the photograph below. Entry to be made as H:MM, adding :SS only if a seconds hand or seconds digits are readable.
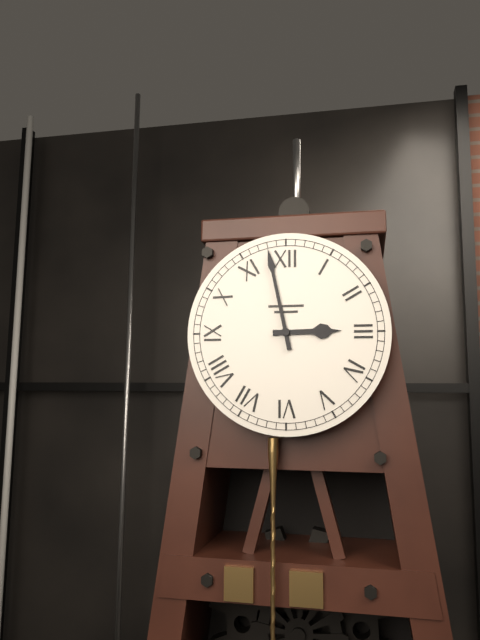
2:58
